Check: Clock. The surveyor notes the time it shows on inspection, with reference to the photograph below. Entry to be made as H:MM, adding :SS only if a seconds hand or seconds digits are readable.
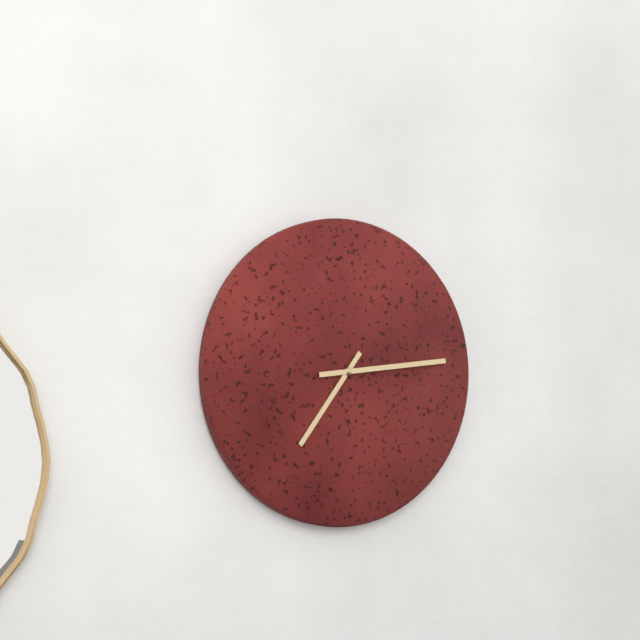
7:14
